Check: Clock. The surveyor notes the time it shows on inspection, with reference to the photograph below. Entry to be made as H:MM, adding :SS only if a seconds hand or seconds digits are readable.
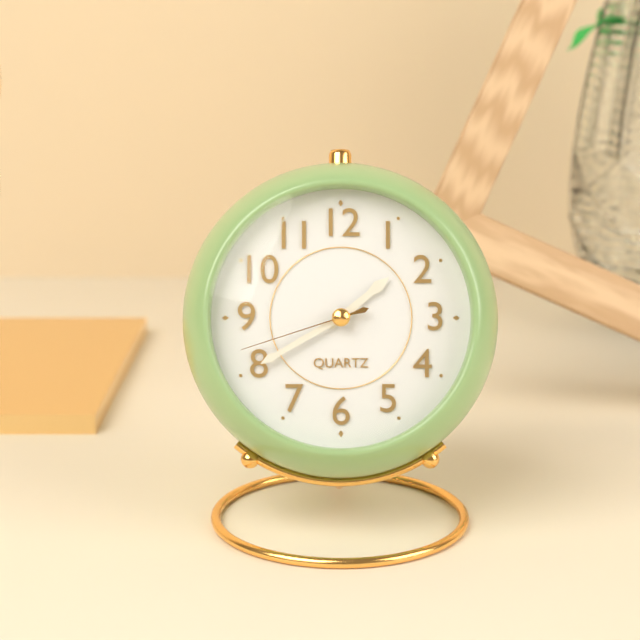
1:40:42
